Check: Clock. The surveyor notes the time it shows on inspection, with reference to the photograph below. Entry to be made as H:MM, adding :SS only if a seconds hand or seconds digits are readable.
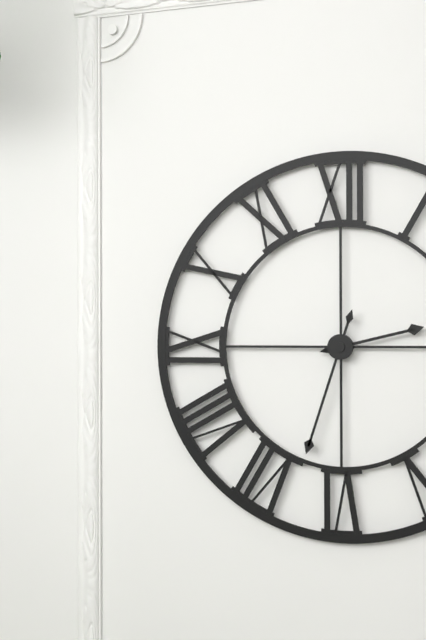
2:33
